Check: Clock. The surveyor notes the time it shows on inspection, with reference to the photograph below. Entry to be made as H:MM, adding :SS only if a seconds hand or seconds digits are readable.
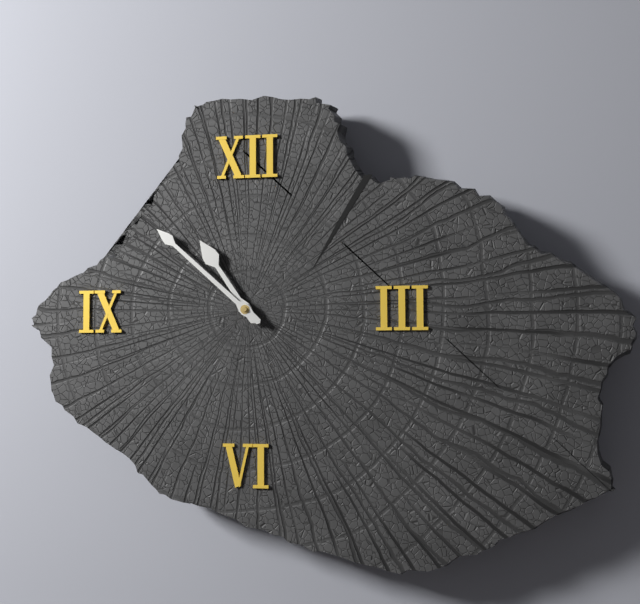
10:52
